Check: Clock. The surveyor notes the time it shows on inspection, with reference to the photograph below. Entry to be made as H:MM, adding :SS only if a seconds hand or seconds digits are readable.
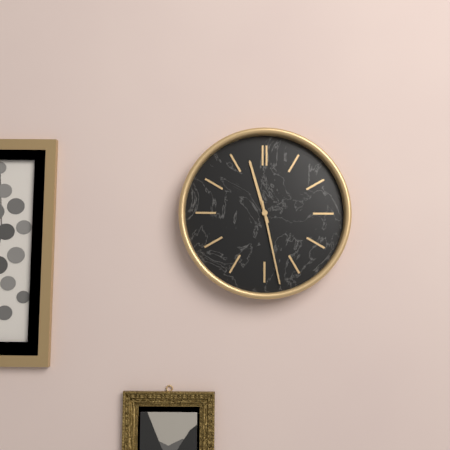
11:28
